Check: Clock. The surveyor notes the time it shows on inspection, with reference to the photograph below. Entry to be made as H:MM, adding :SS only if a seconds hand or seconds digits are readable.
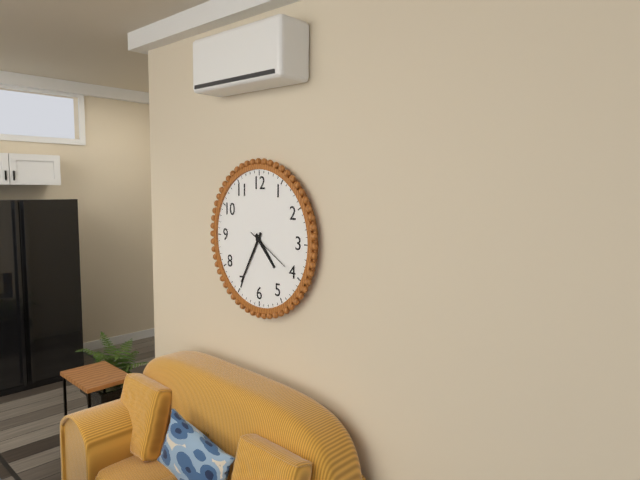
4:35
